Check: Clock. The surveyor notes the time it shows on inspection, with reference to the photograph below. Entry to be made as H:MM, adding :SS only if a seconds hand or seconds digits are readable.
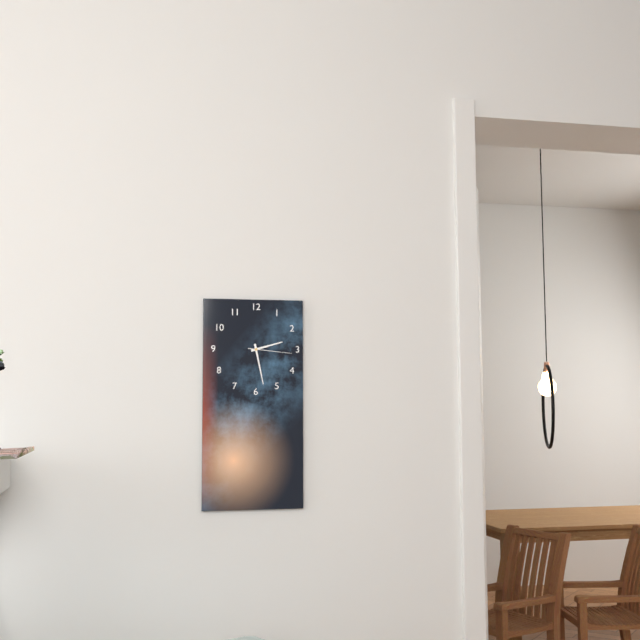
2:28
